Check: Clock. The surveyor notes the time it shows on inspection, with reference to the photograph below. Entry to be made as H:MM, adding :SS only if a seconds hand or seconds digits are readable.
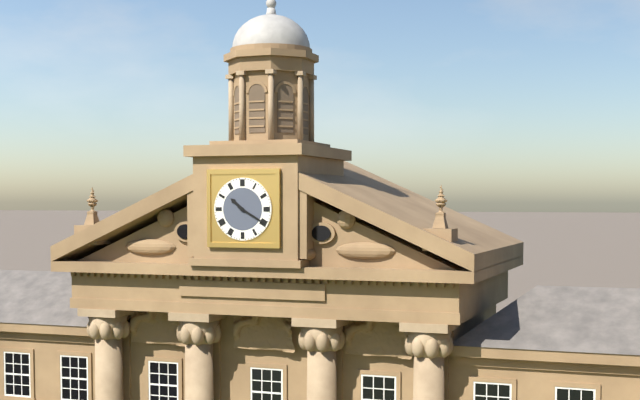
10:20
